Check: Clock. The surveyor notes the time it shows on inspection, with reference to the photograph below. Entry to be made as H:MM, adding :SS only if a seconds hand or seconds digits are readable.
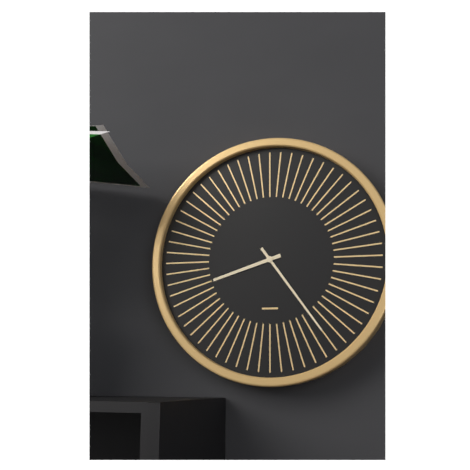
8:24
